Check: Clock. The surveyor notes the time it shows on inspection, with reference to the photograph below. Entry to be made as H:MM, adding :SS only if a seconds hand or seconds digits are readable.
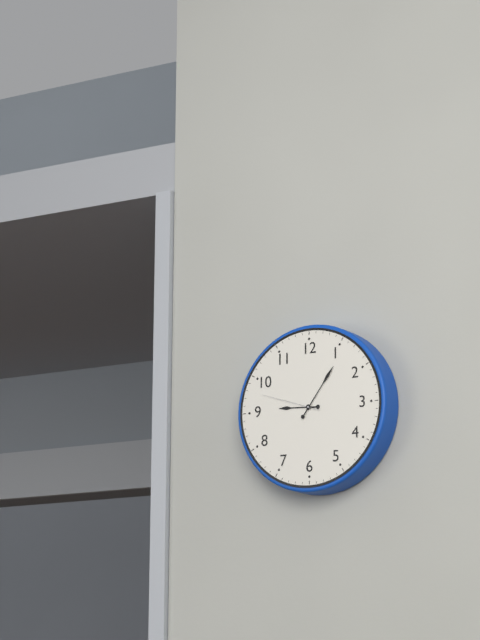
9:06:48
